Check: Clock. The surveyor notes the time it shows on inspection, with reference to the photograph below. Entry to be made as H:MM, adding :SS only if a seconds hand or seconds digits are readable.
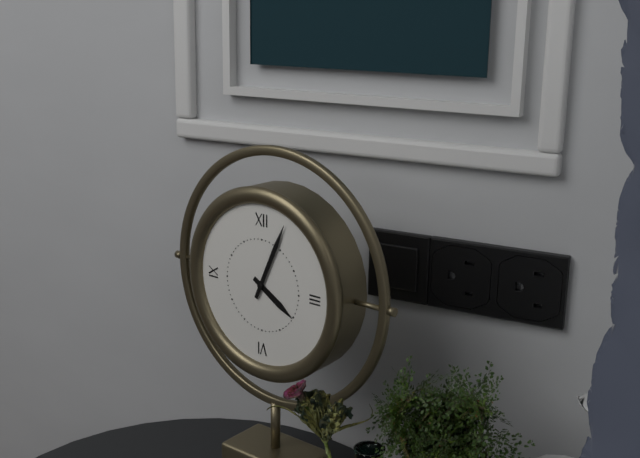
4:04
